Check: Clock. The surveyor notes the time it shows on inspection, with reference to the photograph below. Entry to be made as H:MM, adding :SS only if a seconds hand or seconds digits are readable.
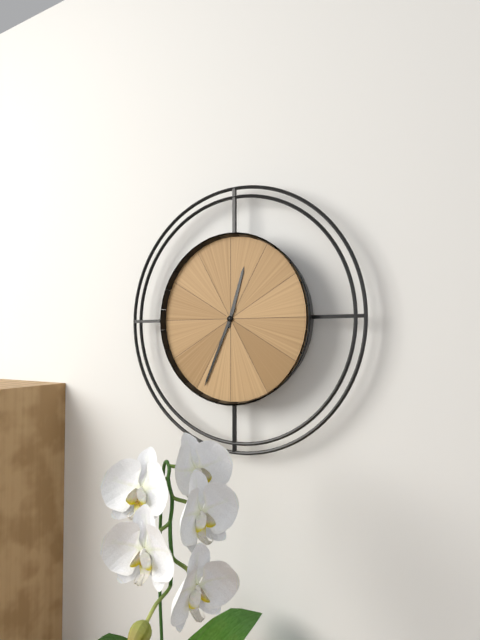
12:34
